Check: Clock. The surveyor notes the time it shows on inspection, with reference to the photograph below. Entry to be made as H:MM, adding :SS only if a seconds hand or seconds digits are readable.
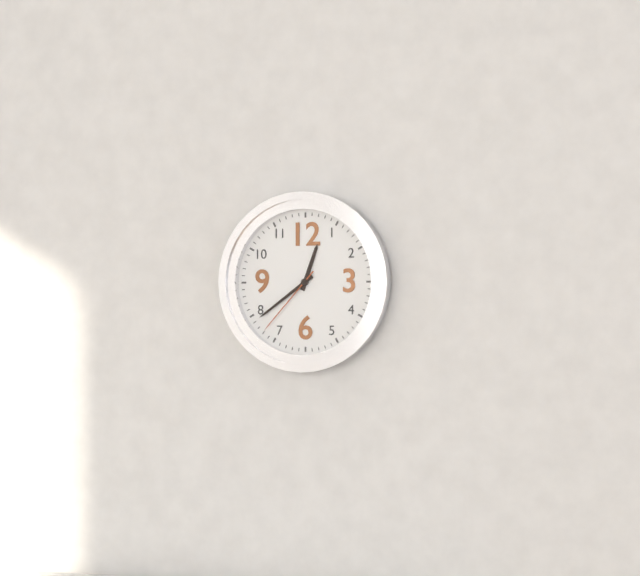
12:39:37
